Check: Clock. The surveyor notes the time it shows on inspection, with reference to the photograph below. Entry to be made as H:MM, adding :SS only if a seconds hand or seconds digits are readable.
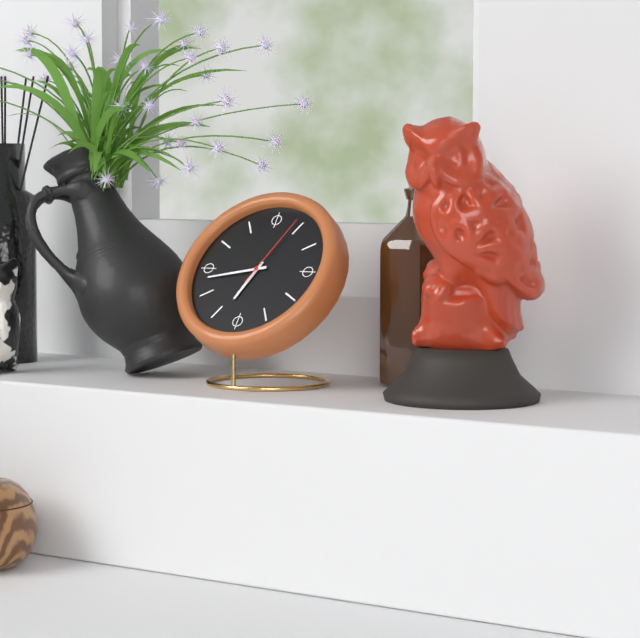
6:43:04
